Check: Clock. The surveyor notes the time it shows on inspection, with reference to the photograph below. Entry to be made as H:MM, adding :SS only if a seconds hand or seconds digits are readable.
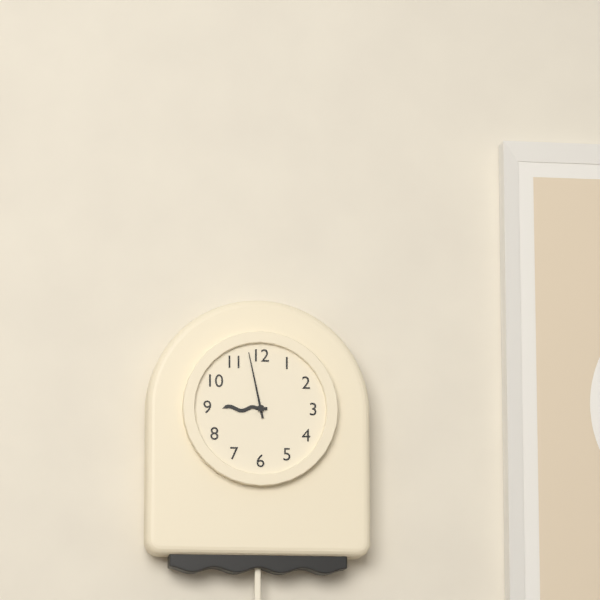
8:58
